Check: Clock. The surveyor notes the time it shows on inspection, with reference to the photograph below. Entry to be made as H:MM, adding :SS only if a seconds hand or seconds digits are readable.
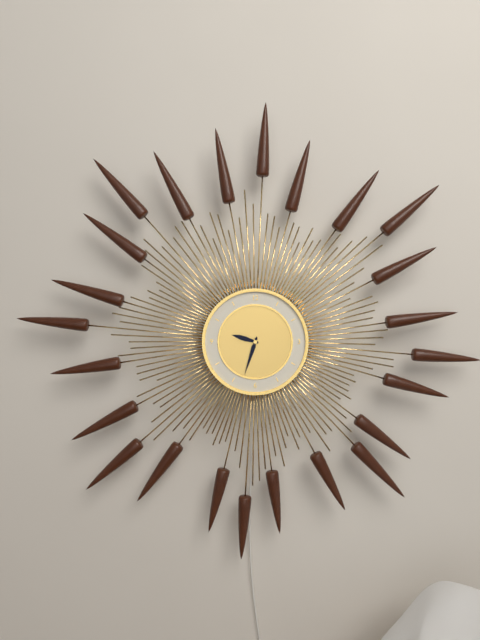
9:33
